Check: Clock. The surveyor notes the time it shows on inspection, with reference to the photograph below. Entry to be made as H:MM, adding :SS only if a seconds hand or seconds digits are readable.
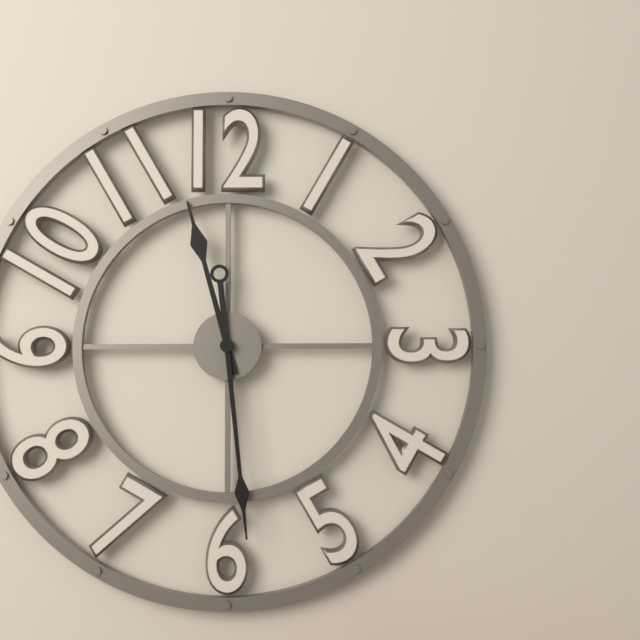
11:29
